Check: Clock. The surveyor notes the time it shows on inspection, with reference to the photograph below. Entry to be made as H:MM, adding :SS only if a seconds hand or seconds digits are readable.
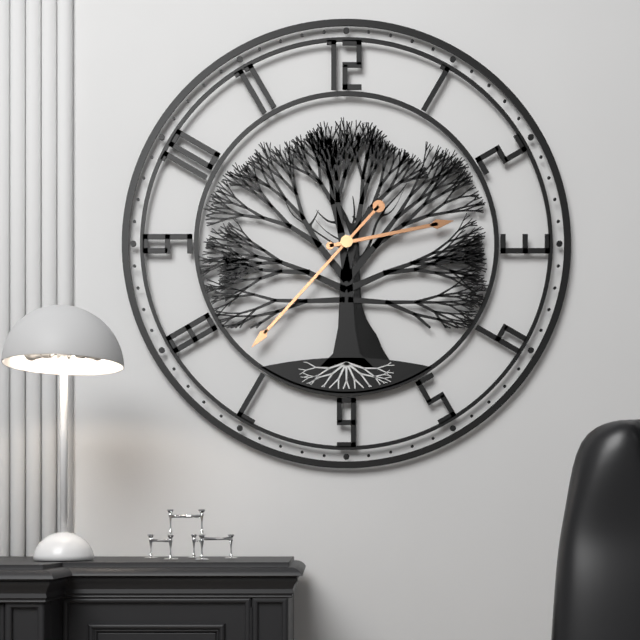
2:37
